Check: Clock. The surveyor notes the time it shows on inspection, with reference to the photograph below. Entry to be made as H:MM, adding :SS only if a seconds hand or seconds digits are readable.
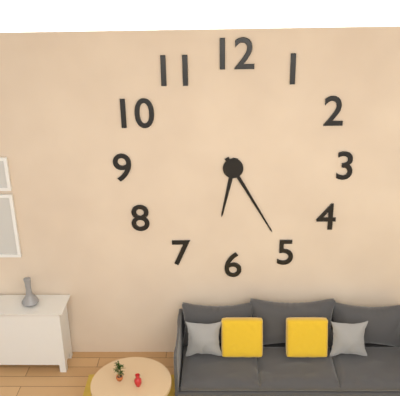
6:25
